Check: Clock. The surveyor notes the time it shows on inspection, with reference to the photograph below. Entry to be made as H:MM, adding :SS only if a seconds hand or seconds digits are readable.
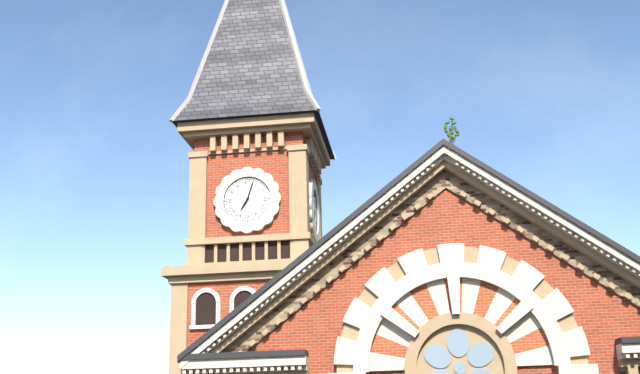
7:03
